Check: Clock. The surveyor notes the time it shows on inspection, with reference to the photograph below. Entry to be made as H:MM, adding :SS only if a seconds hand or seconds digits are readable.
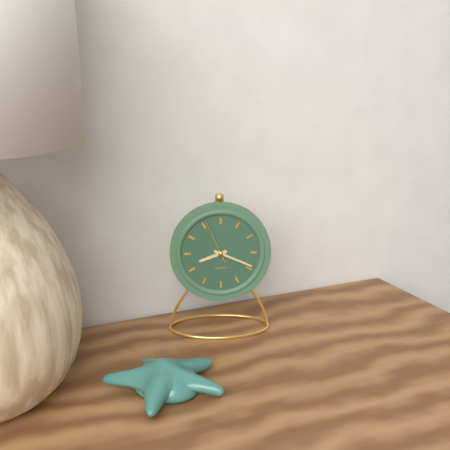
8:19
